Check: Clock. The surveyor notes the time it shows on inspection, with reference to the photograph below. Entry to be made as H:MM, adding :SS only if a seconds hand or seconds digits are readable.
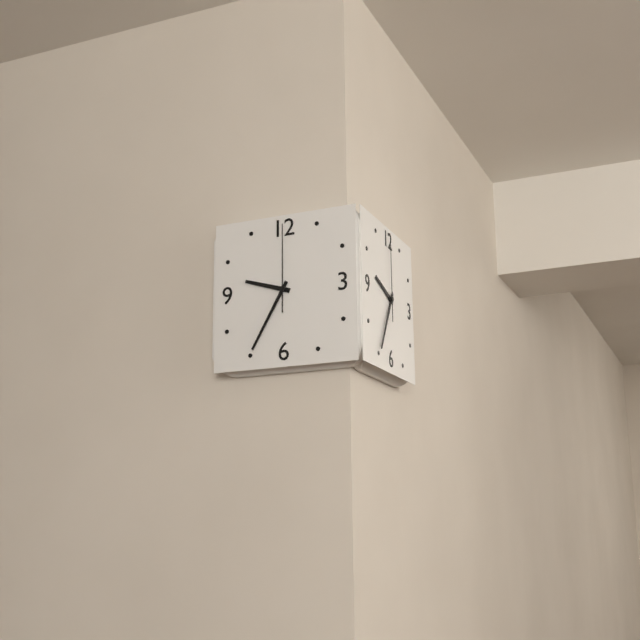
9:35:00
